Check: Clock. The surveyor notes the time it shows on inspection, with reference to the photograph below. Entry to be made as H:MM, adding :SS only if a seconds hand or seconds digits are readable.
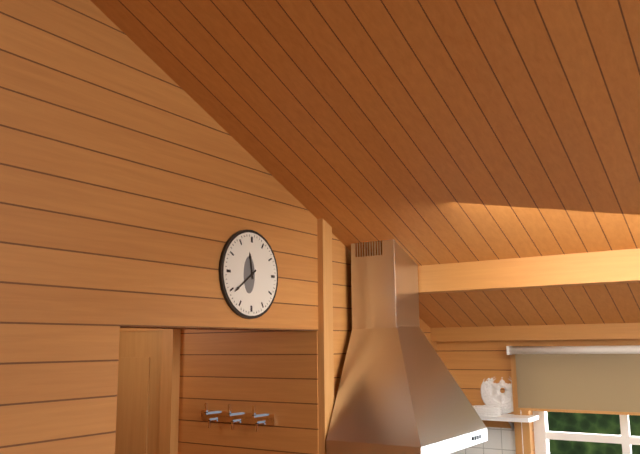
11:39
